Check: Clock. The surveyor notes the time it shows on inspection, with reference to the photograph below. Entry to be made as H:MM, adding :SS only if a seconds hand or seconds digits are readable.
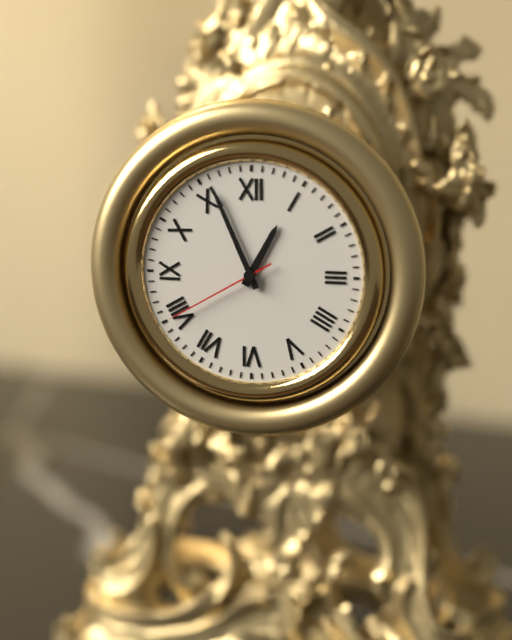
12:56:40
